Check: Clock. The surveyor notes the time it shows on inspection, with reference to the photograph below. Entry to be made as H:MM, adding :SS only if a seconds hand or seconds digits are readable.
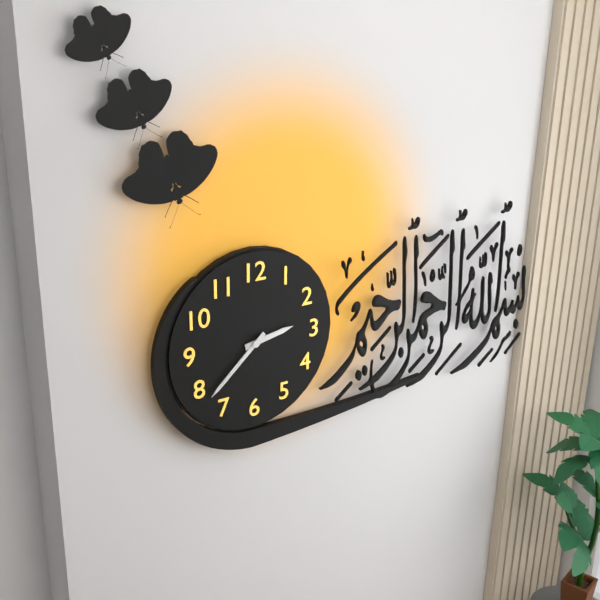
2:38
